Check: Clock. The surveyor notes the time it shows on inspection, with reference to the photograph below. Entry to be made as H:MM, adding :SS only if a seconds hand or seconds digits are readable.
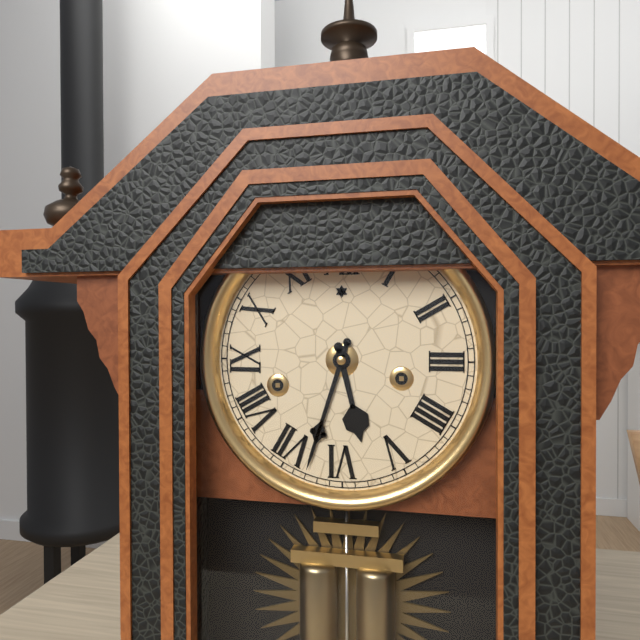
5:33
